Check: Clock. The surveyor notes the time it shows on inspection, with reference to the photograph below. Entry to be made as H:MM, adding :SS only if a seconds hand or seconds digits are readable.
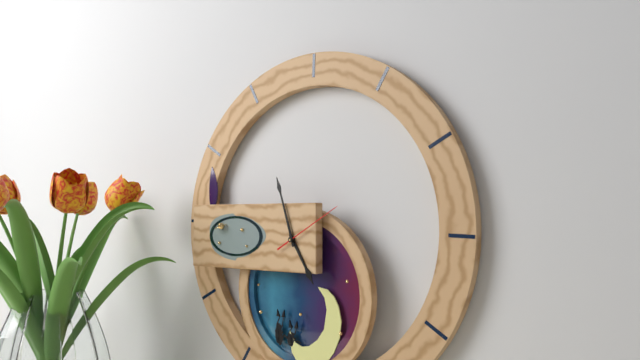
4:57
